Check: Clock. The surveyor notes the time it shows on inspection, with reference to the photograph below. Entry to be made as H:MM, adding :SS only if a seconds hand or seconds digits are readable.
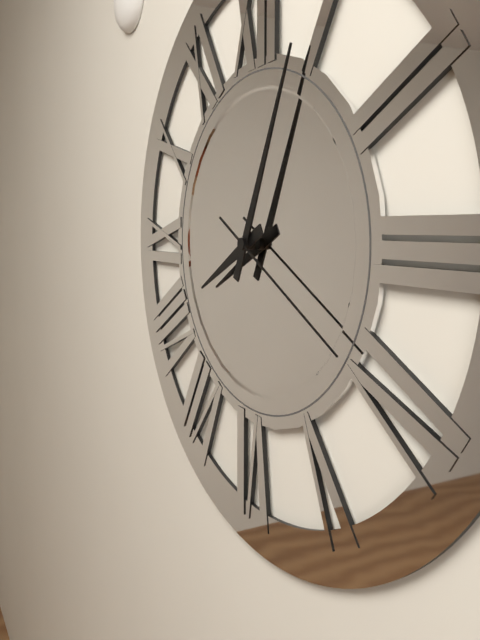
8:04:20
